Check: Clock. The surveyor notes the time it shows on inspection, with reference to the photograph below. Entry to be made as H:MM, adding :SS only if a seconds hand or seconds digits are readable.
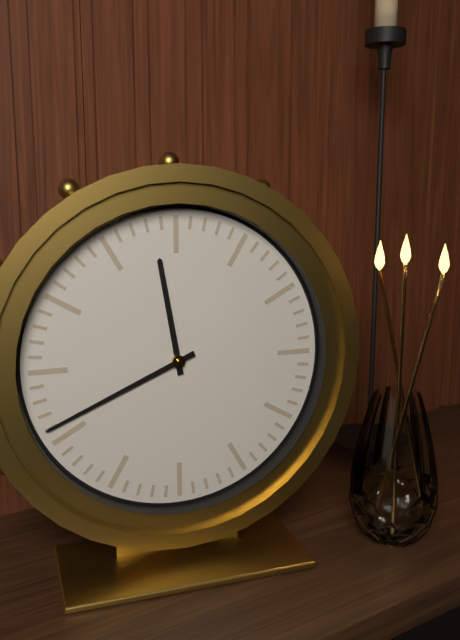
11:41
